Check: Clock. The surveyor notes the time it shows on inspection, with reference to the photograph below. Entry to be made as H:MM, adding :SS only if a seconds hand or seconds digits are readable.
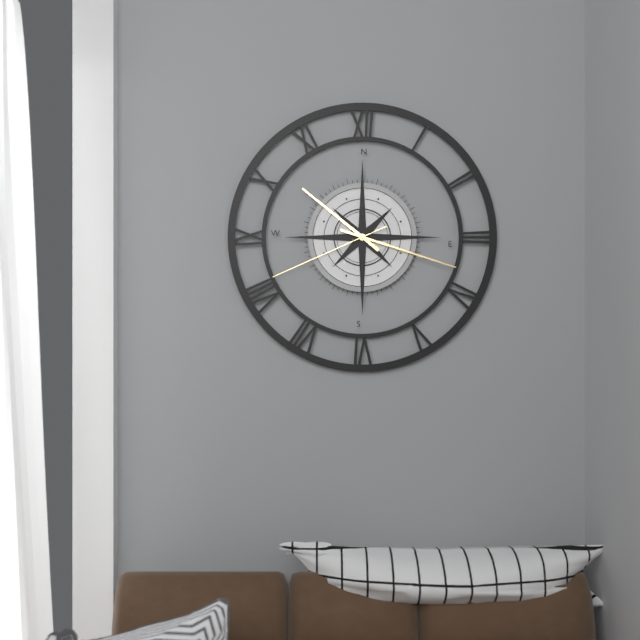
10:18:41
